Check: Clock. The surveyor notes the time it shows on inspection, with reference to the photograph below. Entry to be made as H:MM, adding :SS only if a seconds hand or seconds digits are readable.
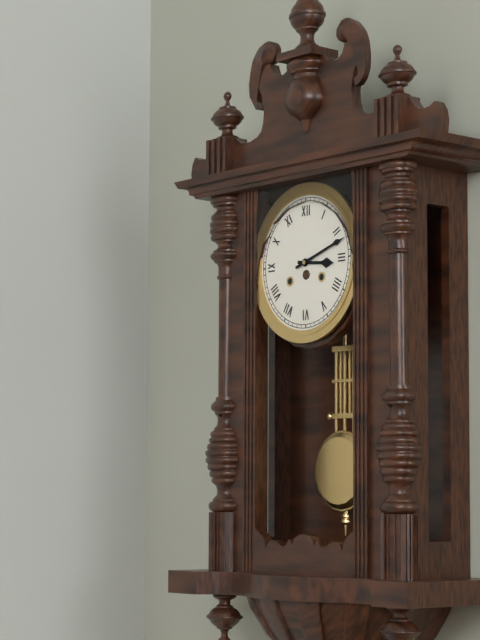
3:12
